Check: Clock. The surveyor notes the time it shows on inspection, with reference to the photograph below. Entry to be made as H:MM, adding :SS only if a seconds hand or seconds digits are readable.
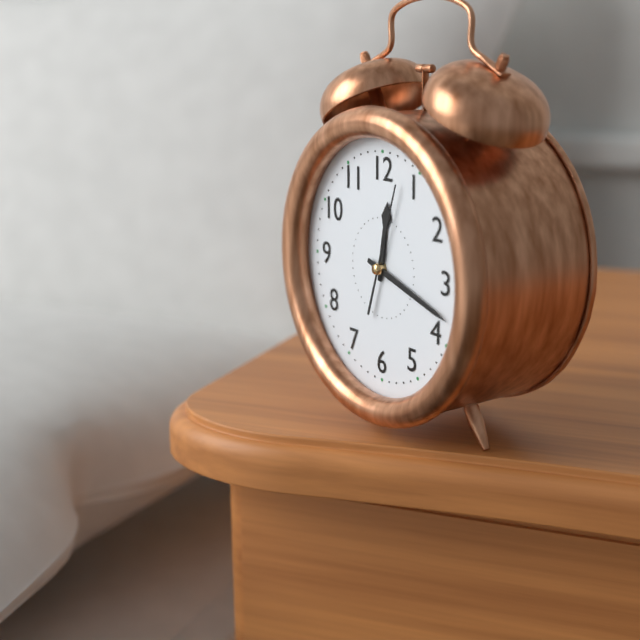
12:18:03
